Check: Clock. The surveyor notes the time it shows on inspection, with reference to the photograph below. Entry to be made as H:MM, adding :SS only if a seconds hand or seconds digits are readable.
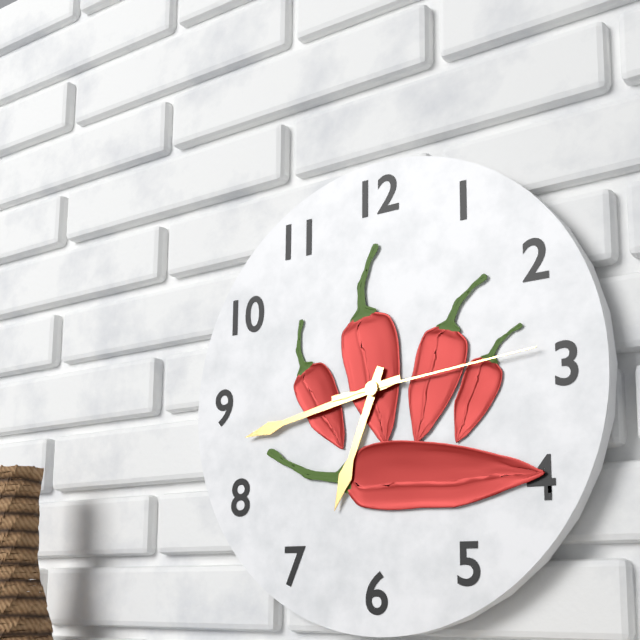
6:43:14
